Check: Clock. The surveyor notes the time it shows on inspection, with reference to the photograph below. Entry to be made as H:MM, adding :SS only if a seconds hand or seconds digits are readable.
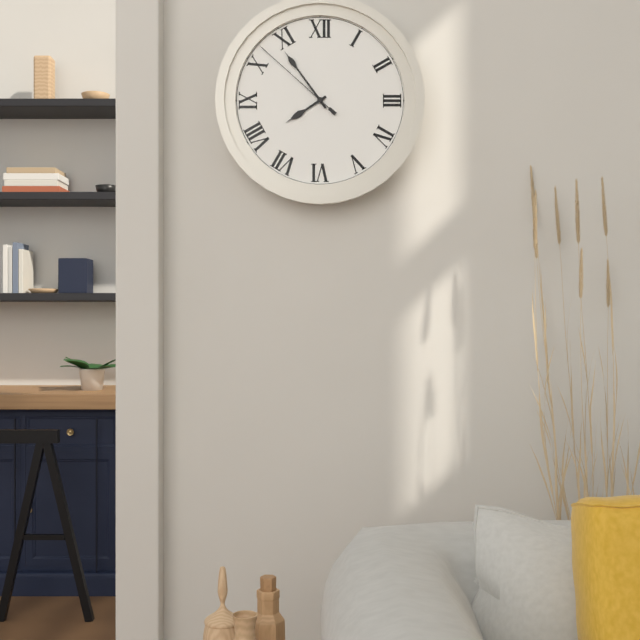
7:54:52
